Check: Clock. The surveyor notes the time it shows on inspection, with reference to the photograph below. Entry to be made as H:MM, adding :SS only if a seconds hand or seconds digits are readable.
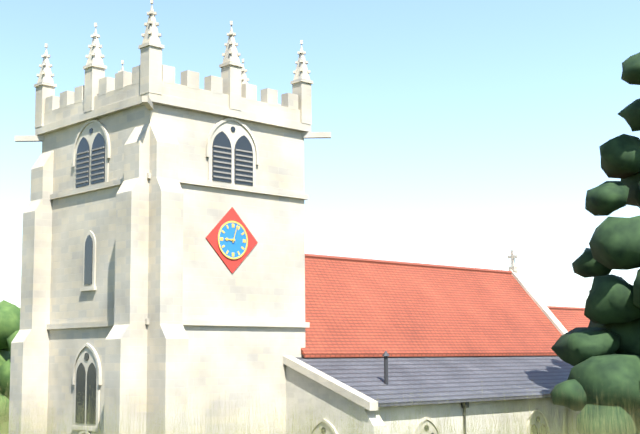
9:03
